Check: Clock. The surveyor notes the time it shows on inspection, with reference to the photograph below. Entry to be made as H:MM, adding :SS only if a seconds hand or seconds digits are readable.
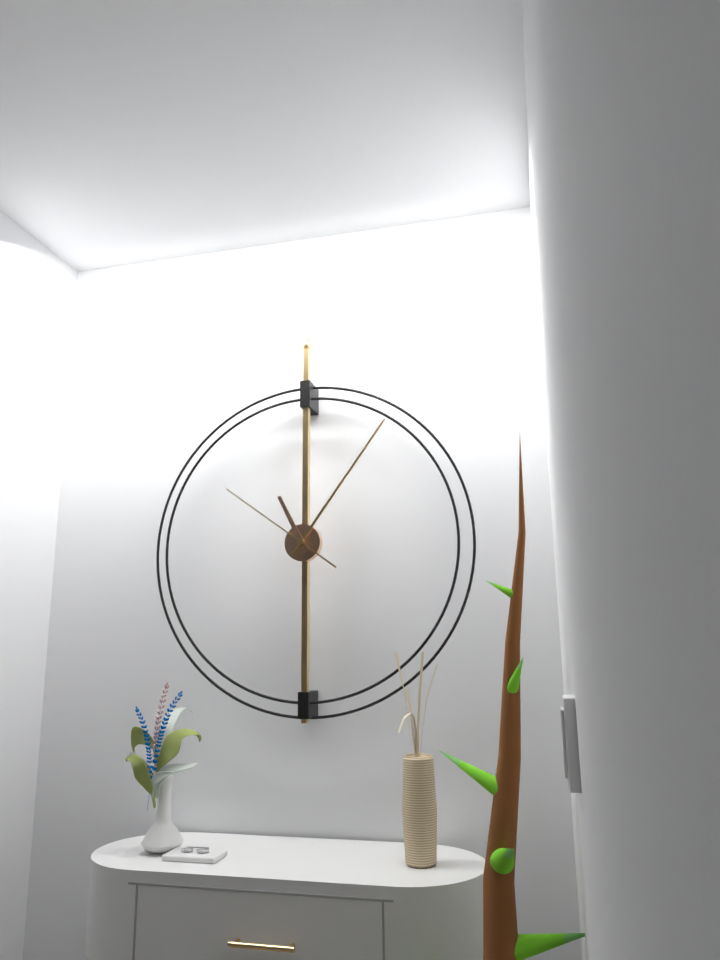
11:06:51
